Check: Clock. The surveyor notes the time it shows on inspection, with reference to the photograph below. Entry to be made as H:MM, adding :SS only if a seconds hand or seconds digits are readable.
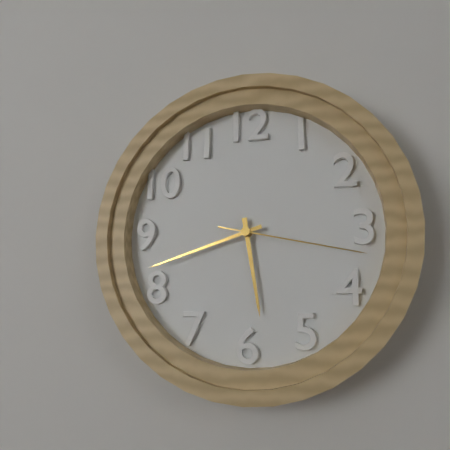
5:42:17
